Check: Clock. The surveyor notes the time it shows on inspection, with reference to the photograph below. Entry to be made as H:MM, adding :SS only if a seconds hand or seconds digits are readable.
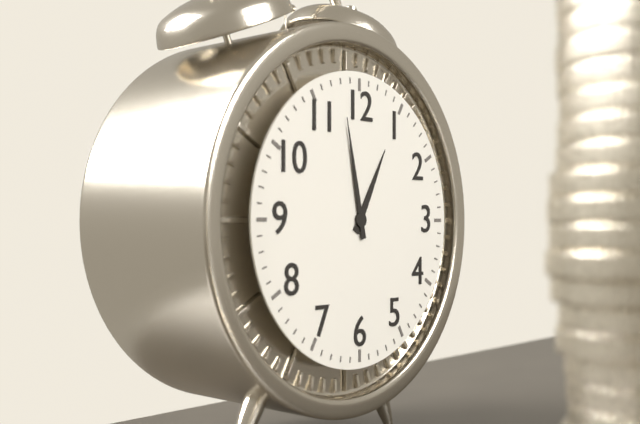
12:58
